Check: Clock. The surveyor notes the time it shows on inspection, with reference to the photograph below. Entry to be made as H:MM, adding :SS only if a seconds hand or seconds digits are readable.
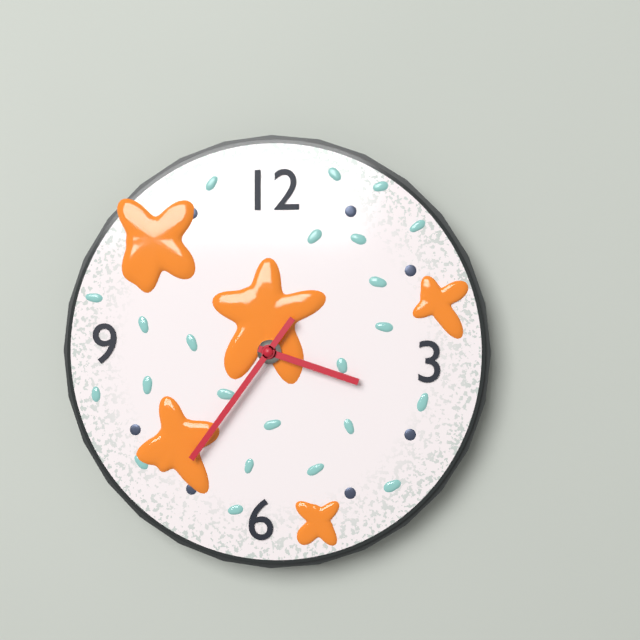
3:36
